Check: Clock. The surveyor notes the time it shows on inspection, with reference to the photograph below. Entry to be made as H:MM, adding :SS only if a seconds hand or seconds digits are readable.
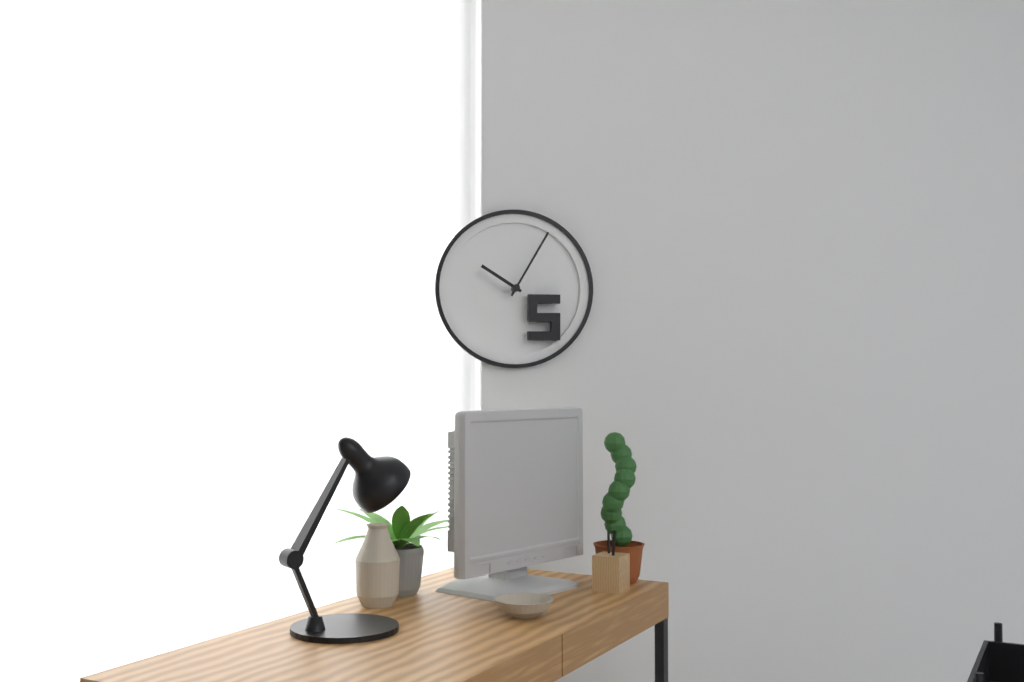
10:05
